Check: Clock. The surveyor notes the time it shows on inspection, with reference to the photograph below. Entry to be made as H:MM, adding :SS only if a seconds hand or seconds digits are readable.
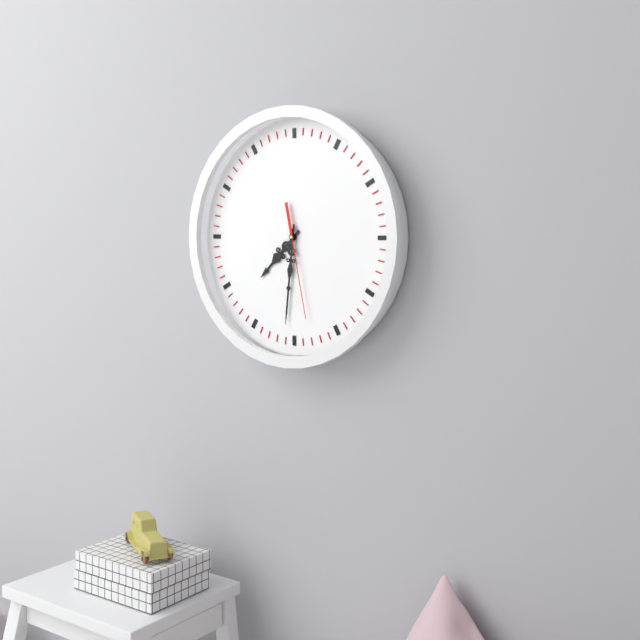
7:31:28
